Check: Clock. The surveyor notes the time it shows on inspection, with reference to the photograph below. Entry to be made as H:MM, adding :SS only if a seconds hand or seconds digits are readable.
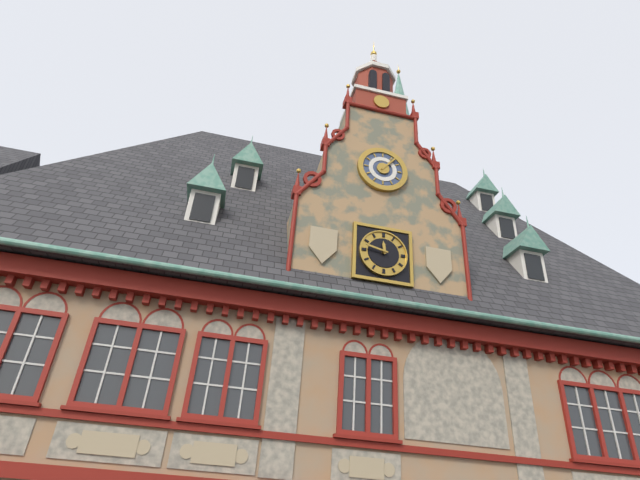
11:47
